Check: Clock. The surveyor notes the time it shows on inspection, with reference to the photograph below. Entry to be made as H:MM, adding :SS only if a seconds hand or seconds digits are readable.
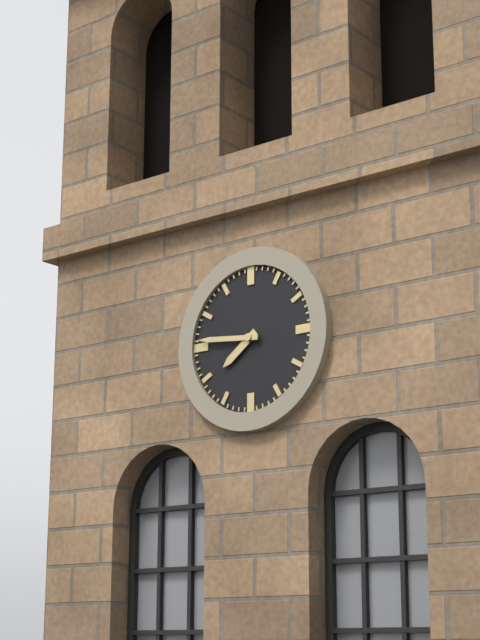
7:46
